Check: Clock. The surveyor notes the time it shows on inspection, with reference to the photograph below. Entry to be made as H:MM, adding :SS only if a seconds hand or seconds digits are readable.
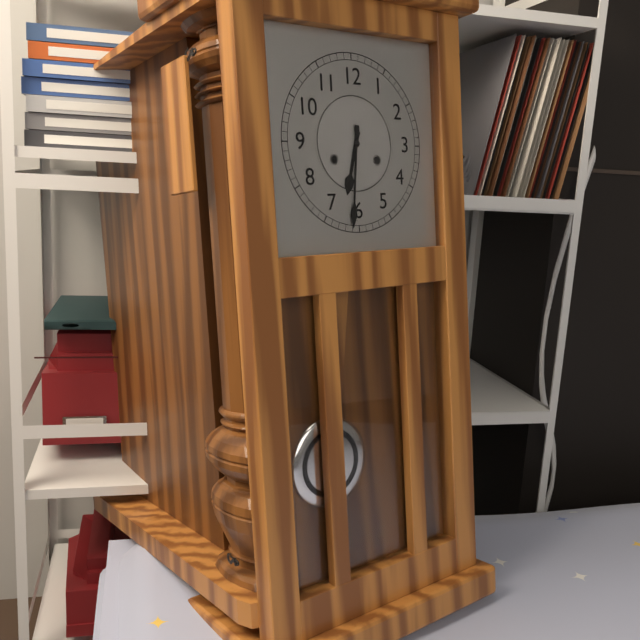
6:31
